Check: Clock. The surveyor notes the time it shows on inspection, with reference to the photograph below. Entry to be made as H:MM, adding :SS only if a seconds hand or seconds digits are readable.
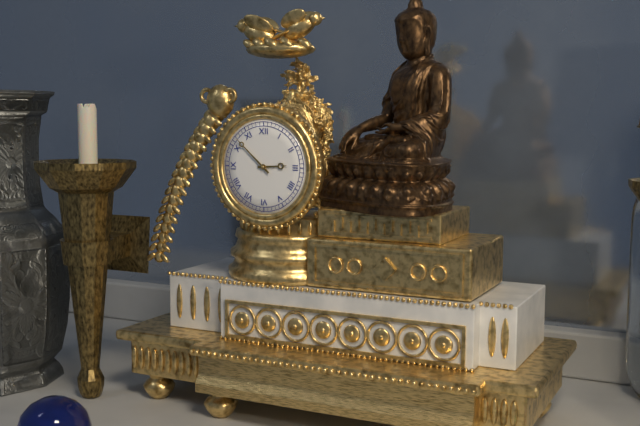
2:52
